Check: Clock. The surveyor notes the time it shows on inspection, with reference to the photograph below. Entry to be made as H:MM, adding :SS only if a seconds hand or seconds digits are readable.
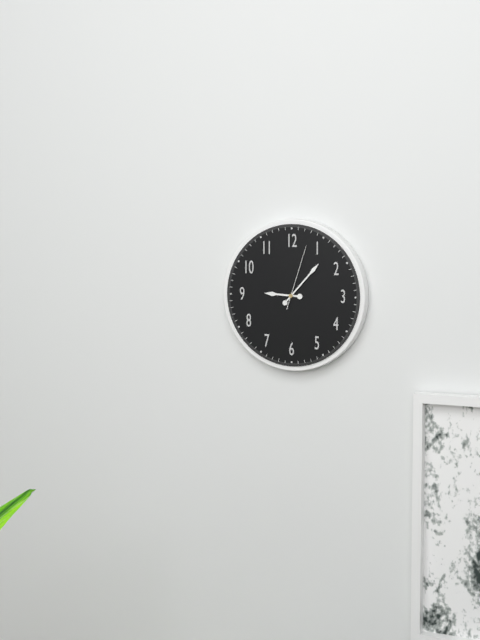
9:07:03
